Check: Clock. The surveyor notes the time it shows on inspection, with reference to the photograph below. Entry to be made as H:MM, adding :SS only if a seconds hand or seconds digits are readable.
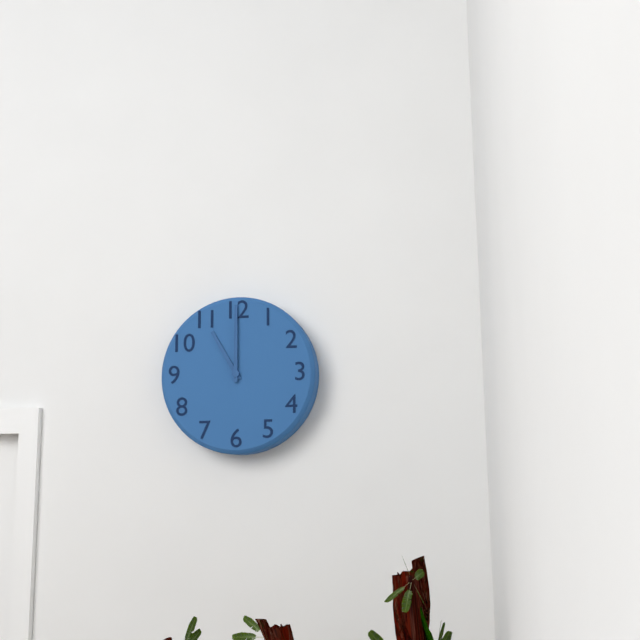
11:00
